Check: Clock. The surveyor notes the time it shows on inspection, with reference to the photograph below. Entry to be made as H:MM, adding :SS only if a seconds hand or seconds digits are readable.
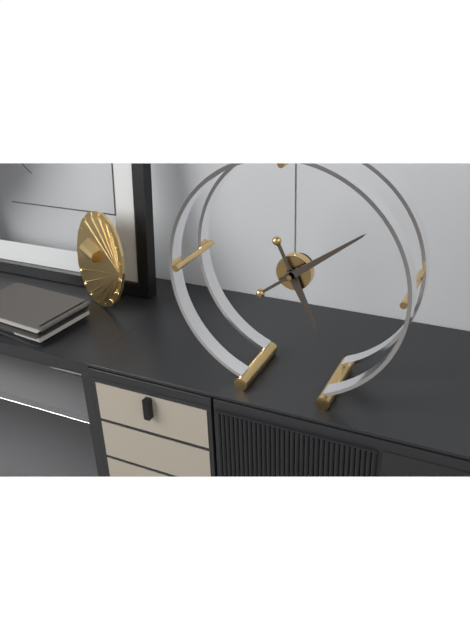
5:09
